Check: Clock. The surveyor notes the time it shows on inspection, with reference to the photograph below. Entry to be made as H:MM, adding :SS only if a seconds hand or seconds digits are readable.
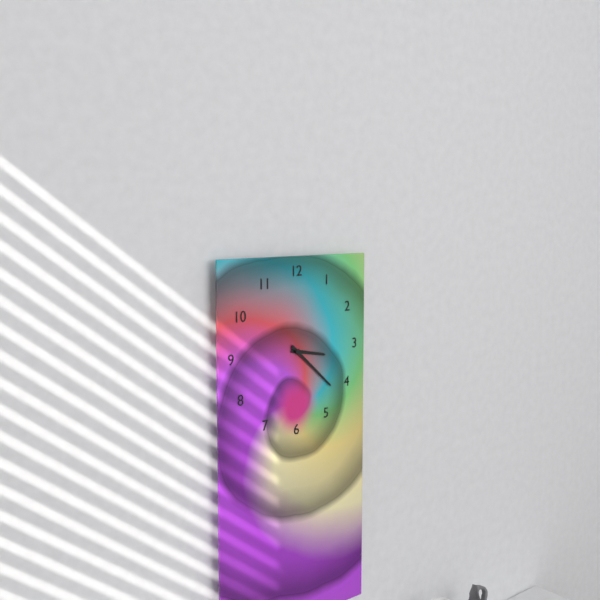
3:22
